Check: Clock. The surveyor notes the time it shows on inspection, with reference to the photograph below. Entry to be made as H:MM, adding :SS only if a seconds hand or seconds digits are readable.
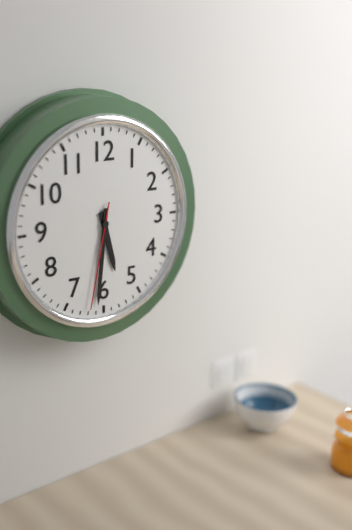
5:31:32
